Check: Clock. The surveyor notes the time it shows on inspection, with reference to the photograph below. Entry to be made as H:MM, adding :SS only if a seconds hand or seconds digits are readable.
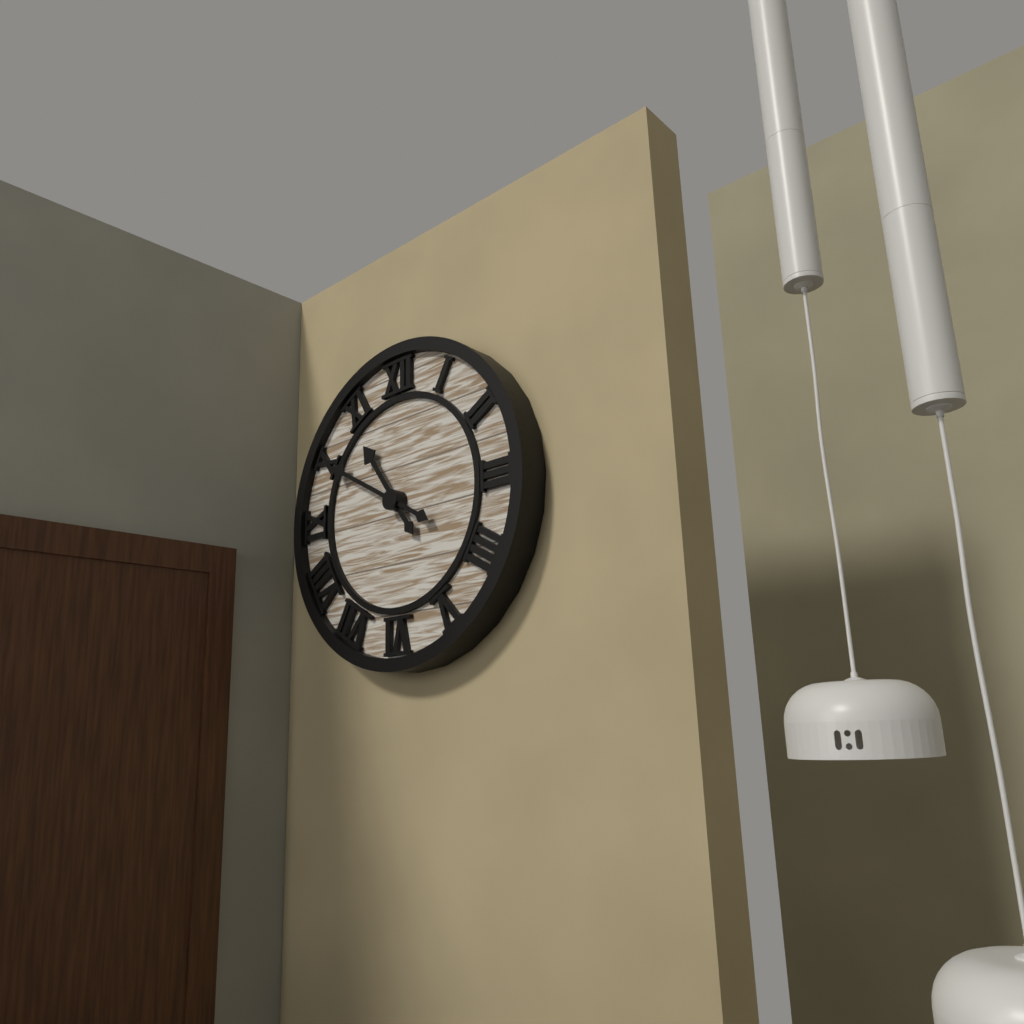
10:50
